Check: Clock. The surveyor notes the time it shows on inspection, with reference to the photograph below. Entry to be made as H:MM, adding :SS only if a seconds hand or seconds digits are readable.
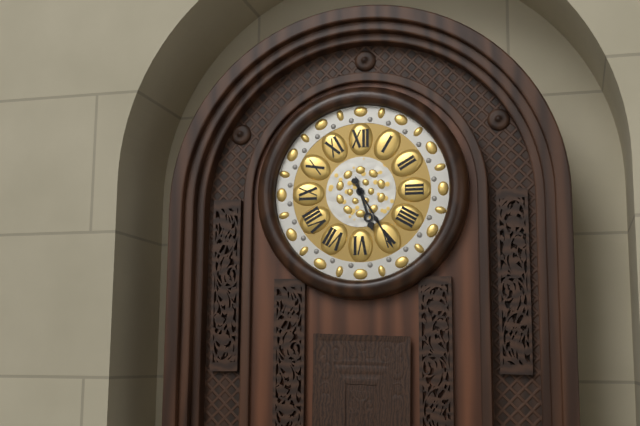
5:25
